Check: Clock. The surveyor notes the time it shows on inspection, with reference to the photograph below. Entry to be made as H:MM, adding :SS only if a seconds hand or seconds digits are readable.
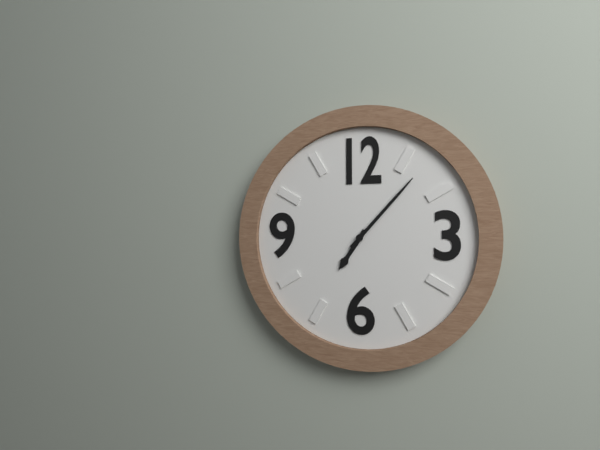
7:07
